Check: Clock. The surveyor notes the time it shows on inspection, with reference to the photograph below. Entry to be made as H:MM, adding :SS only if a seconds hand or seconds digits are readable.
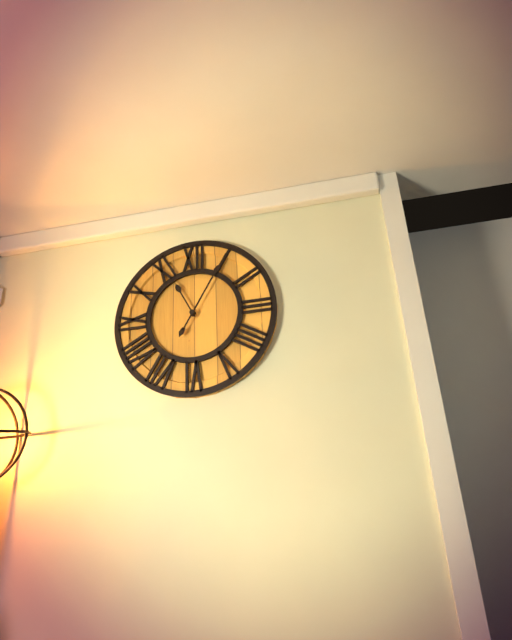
11:05
